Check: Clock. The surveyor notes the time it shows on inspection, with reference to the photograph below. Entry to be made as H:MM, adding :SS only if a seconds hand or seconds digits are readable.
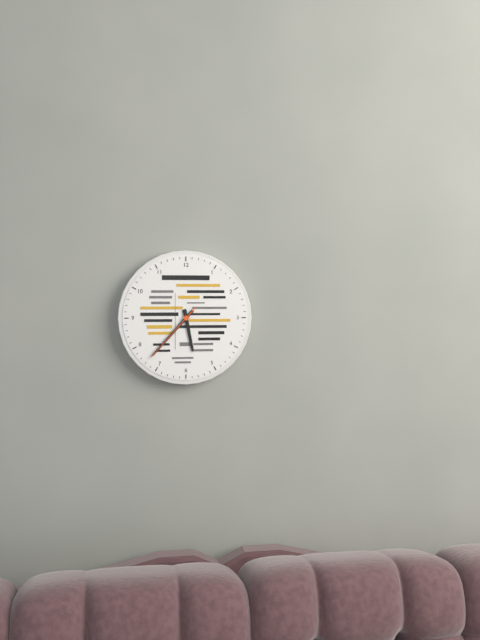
5:37:37
